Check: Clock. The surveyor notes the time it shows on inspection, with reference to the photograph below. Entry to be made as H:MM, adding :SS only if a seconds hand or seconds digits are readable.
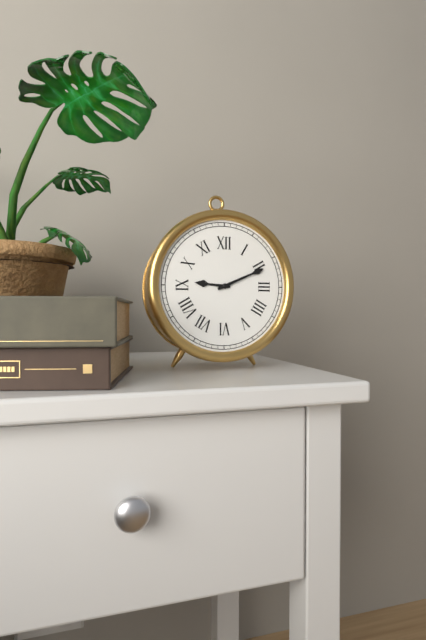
9:11
